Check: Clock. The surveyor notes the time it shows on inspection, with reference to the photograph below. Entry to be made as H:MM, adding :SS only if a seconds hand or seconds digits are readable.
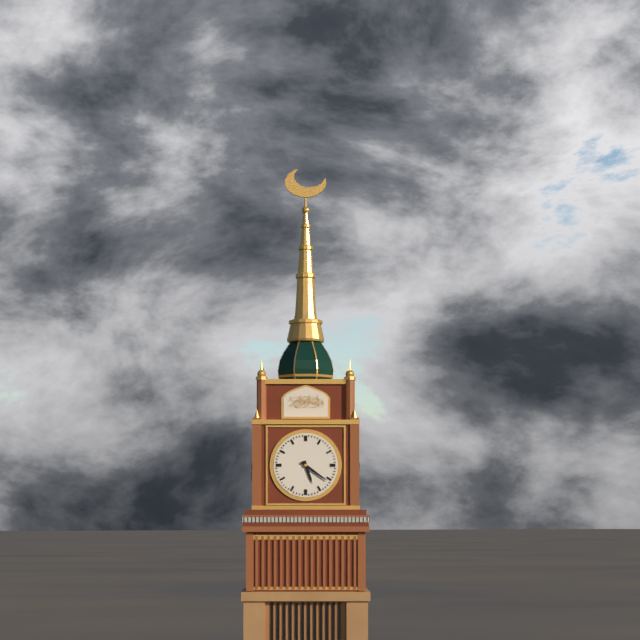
5:21
